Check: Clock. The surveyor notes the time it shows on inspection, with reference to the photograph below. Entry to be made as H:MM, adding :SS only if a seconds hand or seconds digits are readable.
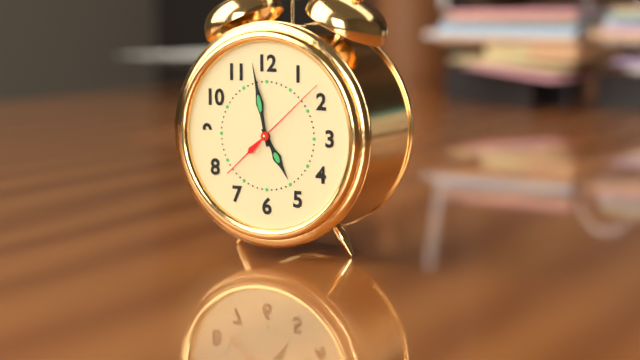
4:58:08
